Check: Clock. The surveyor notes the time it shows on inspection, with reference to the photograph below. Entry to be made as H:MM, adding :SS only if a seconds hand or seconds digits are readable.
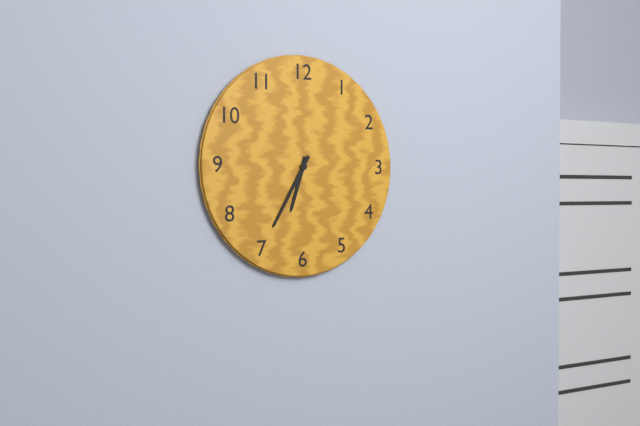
6:35
